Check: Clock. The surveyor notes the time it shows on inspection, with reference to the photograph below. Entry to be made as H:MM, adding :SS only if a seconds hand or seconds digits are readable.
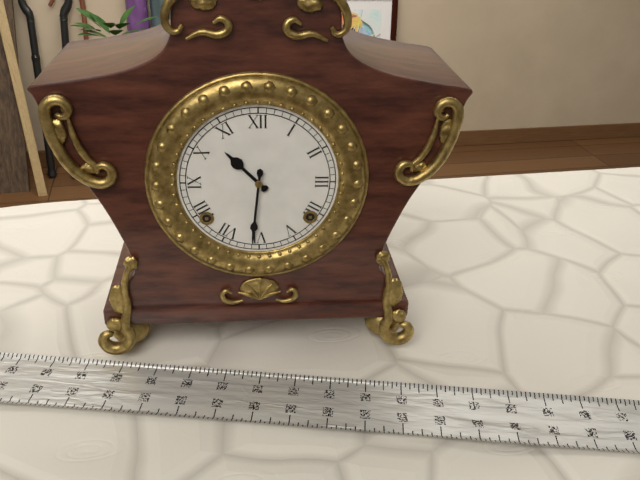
10:31
